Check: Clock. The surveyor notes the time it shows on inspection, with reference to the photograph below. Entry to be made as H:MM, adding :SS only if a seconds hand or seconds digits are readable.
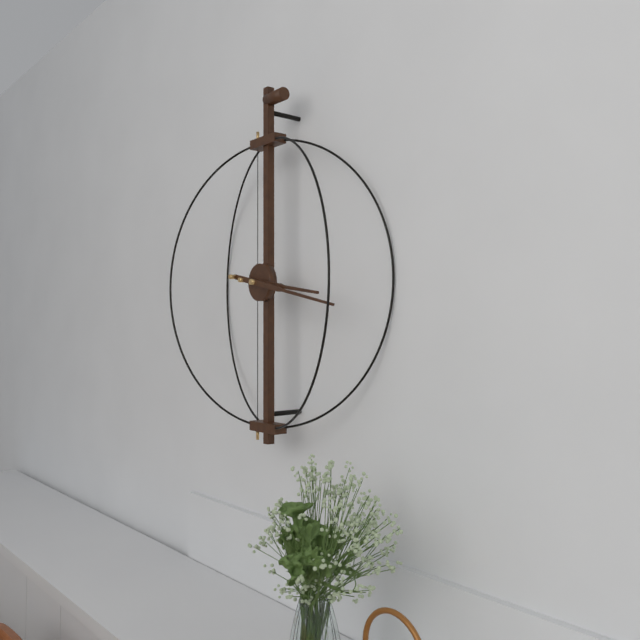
3:17
